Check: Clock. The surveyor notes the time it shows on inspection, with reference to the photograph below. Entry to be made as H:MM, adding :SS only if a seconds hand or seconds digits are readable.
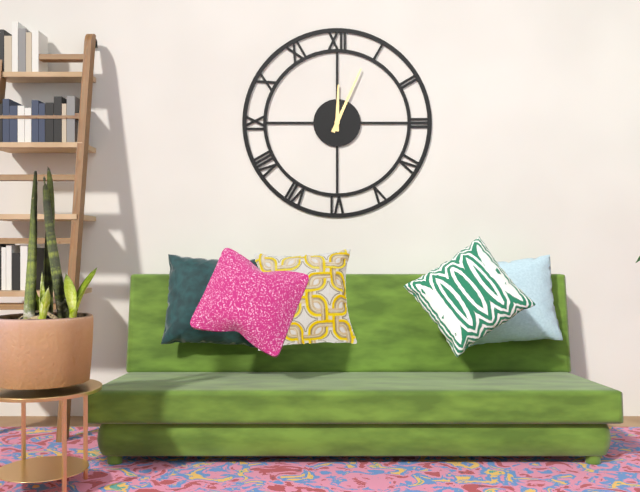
12:04
